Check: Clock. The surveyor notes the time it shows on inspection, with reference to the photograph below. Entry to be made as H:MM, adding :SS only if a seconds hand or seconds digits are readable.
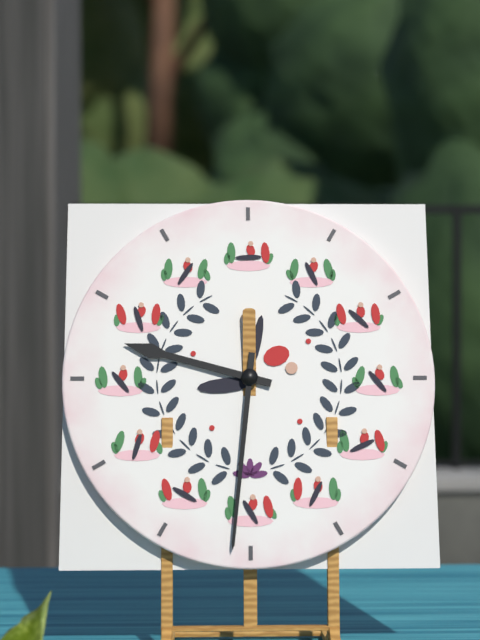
9:31
